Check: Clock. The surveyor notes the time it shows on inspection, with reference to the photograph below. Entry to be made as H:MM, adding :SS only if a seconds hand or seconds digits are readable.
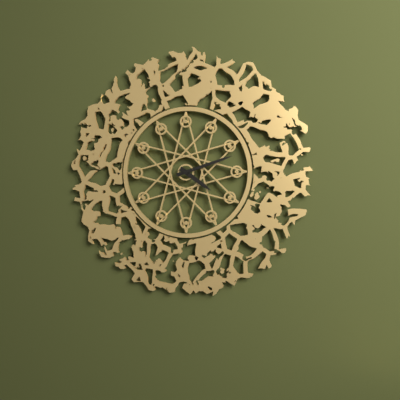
4:12
